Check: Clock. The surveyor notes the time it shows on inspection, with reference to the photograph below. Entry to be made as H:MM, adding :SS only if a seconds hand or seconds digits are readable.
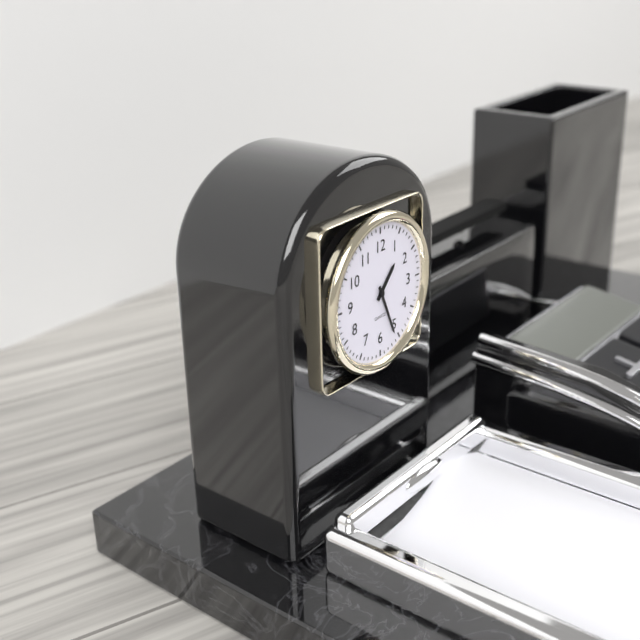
1:26
